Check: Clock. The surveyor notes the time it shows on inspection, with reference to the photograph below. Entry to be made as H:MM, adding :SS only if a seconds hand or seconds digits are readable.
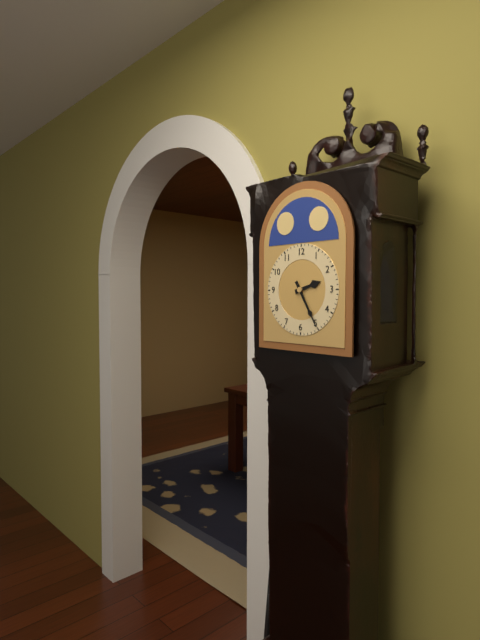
2:25
